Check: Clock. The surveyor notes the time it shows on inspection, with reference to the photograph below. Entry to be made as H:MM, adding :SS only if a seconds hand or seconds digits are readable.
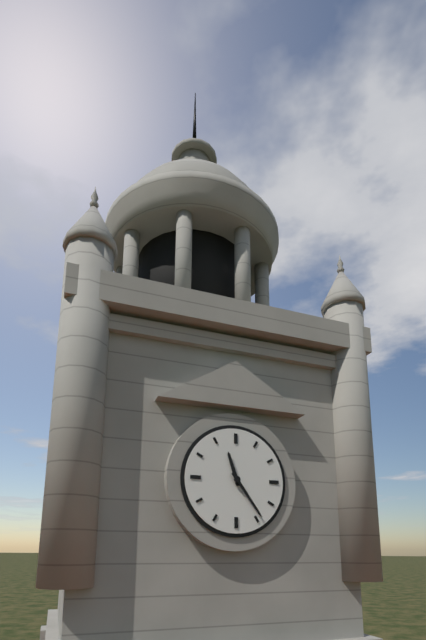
11:24
